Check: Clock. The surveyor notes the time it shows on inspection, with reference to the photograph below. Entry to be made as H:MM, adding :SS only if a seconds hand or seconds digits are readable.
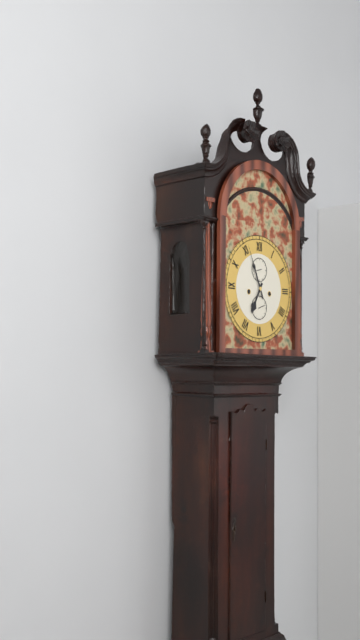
6:56
